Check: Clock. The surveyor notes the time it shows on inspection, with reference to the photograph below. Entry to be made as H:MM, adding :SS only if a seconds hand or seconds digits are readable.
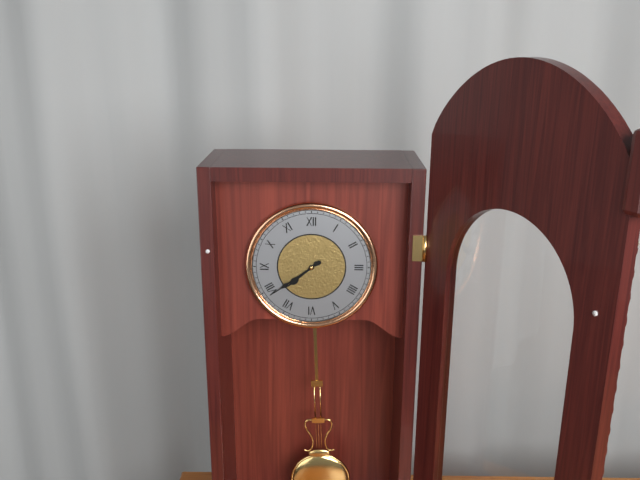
7:39
